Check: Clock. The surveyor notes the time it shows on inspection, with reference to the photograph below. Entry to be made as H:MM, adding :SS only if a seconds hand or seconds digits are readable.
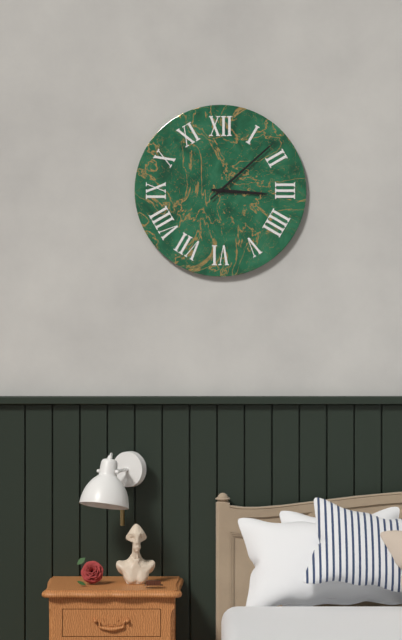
3:08
